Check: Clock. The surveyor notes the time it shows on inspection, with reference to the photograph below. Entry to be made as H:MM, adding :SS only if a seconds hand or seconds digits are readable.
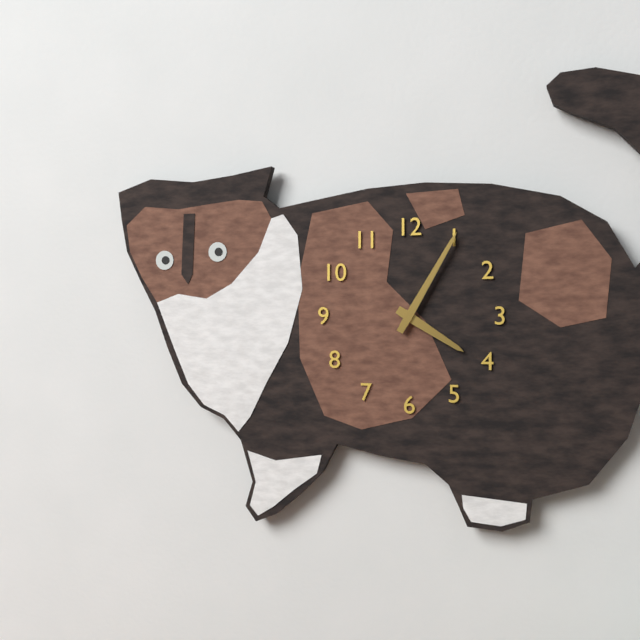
4:05
